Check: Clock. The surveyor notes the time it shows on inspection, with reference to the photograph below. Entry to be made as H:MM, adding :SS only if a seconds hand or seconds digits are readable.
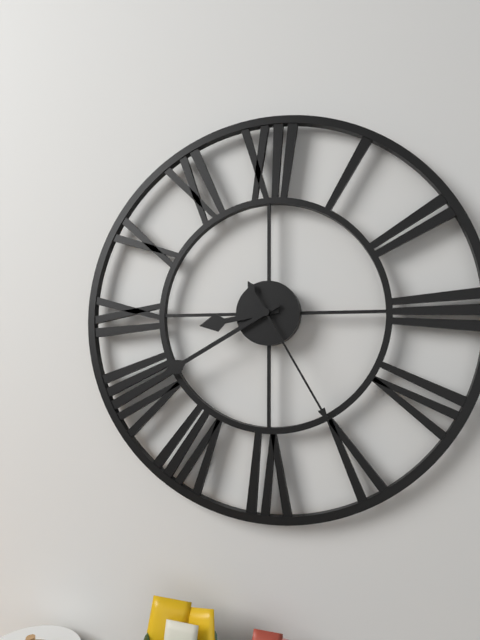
8:40:25
